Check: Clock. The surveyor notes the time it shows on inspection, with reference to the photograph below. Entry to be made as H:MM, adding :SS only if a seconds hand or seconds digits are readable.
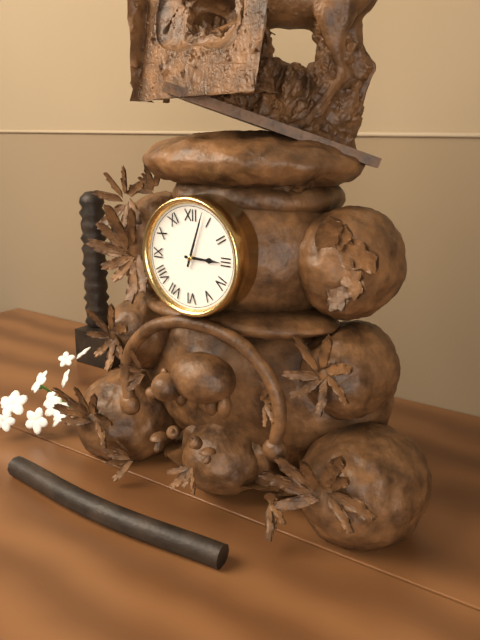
3:03
